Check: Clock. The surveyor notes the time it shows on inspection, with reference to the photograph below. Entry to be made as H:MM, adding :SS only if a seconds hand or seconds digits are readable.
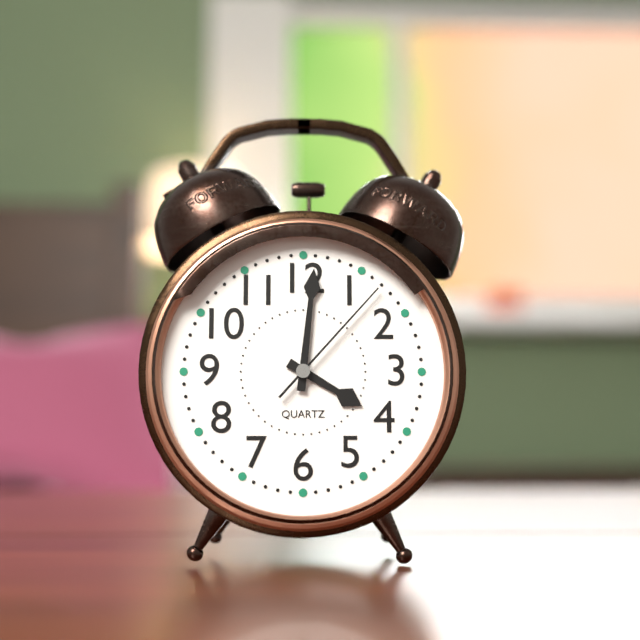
4:01:07
